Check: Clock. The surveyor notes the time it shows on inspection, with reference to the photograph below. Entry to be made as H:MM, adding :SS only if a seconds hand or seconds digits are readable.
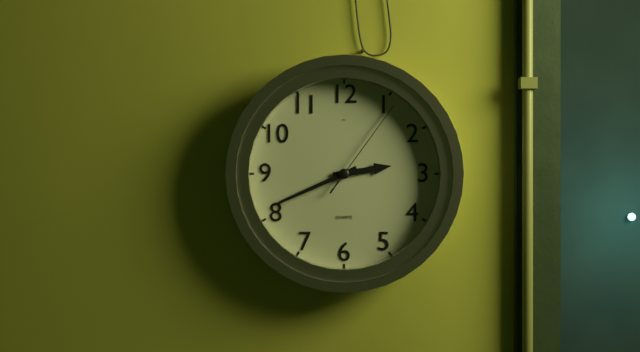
2:41:06
